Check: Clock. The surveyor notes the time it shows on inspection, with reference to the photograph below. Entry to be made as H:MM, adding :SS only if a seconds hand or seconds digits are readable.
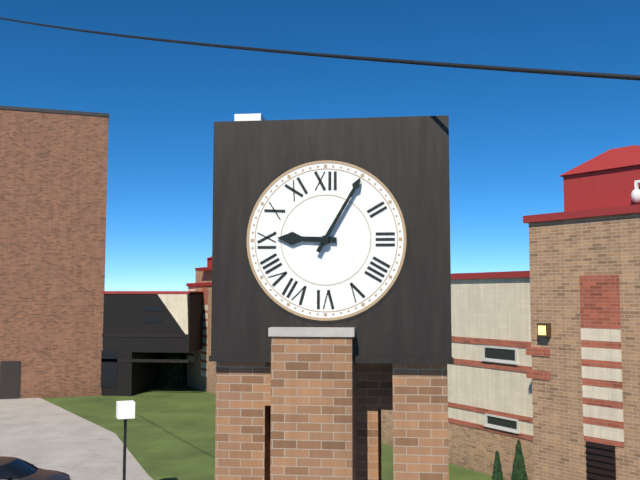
9:05
